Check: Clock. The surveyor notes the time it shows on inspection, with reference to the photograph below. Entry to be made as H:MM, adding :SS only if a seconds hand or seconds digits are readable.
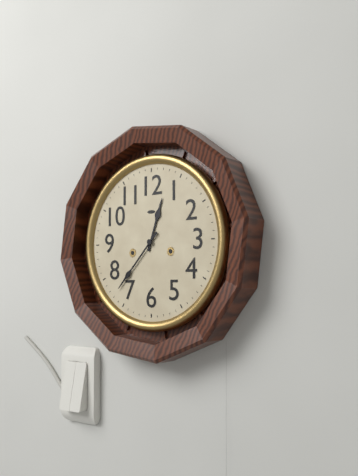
12:37
